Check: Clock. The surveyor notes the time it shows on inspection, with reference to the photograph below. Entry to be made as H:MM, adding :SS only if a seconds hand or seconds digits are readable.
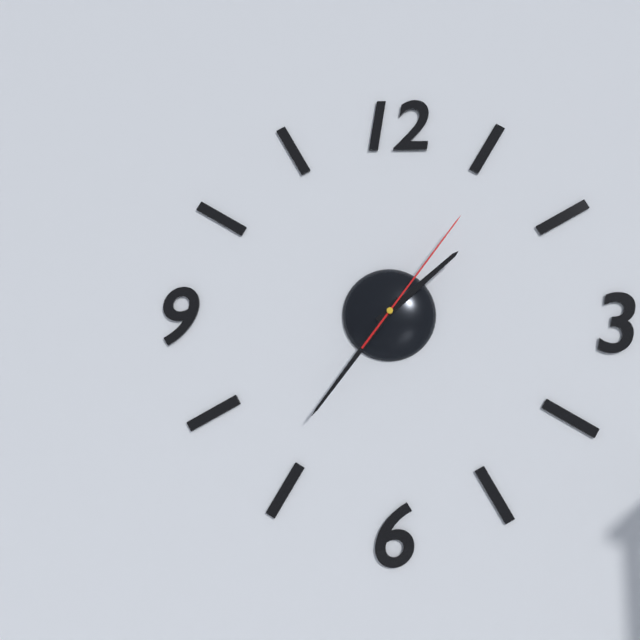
1:36:06
